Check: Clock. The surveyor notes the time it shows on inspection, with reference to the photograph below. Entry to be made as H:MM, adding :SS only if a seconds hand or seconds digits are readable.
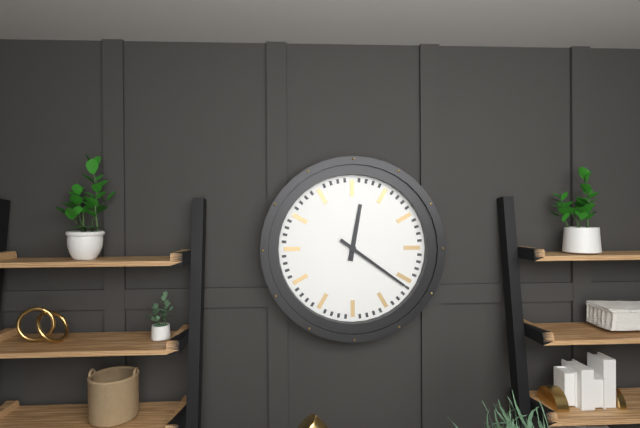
12:21
